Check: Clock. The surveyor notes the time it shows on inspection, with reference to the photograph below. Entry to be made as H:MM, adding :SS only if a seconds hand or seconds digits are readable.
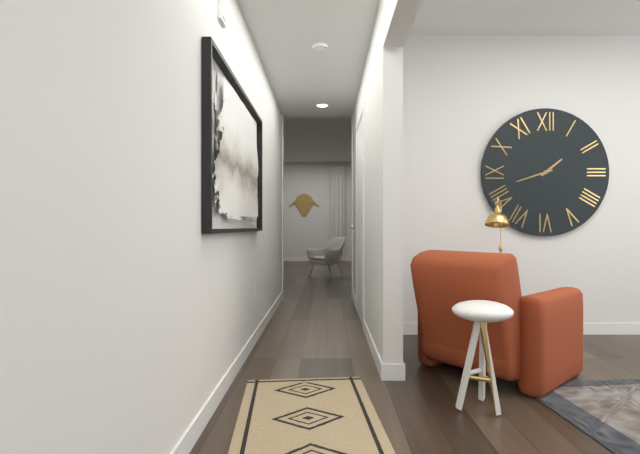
1:42
